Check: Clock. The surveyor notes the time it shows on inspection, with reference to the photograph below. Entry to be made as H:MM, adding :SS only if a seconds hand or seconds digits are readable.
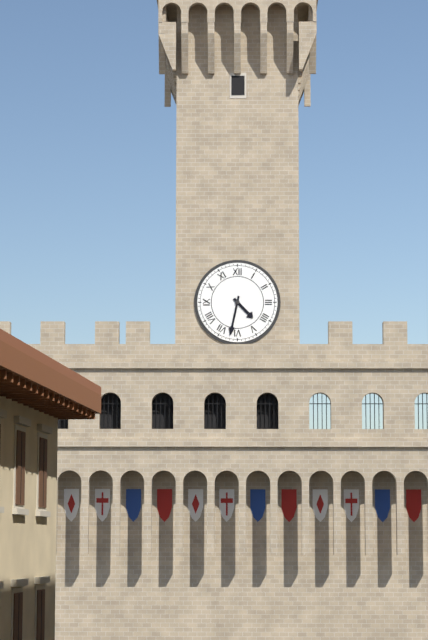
4:32
